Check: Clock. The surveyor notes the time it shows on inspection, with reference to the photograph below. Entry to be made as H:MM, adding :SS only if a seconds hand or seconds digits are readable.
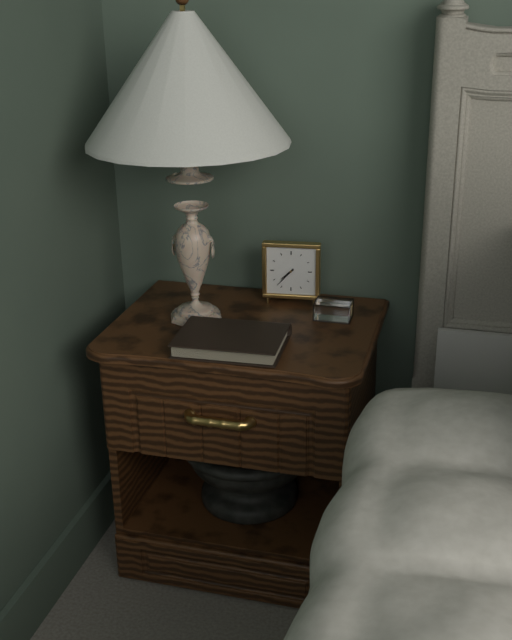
7:37
